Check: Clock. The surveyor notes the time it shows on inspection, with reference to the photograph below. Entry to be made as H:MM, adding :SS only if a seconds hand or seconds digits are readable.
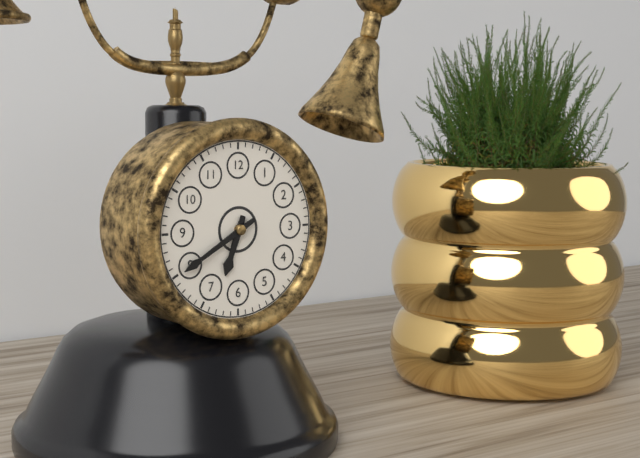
6:40
